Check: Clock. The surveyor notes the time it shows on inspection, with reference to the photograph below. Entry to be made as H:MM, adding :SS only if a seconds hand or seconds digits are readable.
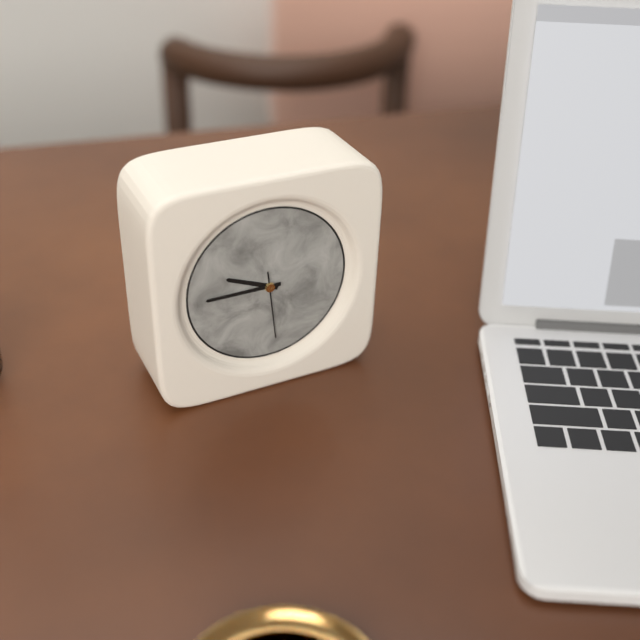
9:45:29
